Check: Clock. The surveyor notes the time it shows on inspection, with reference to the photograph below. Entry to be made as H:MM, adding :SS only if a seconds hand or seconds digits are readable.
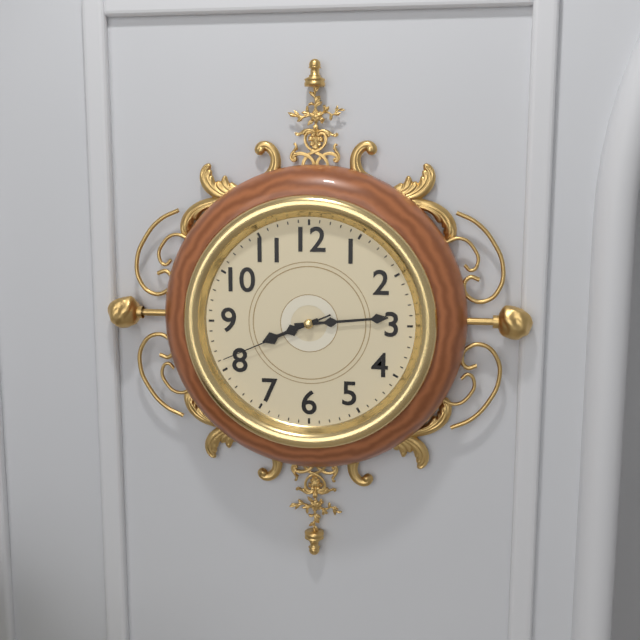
8:14:41
